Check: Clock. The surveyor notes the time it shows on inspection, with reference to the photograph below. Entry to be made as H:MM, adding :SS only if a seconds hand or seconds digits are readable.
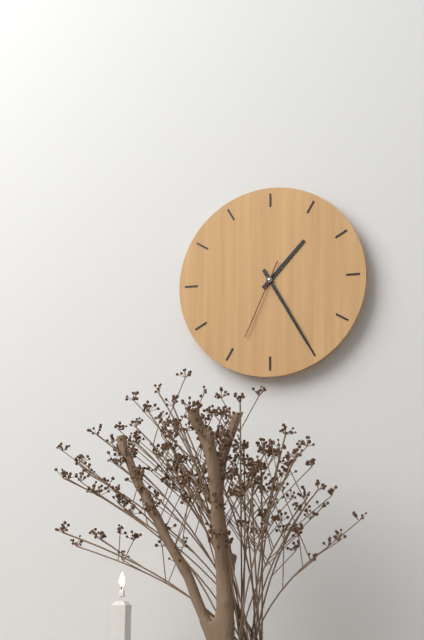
1:25:34
